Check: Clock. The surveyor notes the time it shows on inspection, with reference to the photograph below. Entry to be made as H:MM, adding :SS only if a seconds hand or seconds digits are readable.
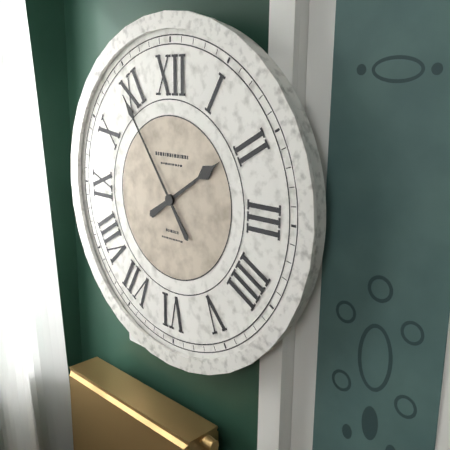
1:54
